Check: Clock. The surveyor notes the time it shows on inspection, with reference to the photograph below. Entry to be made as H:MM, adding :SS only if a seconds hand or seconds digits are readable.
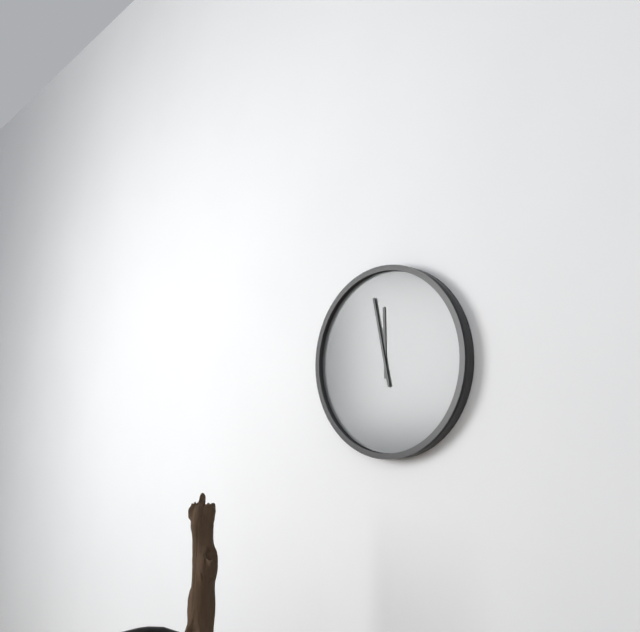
11:58
